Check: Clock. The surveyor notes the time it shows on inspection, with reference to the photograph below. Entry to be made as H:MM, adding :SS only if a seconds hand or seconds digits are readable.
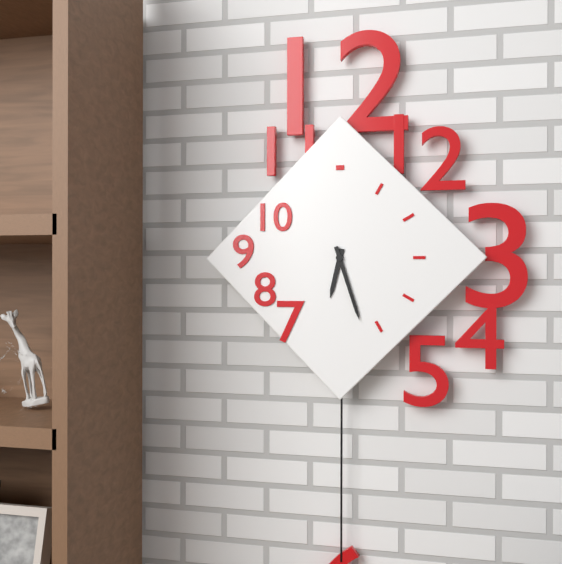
6:27
